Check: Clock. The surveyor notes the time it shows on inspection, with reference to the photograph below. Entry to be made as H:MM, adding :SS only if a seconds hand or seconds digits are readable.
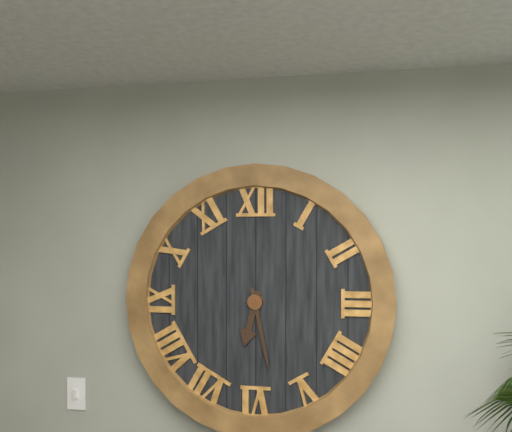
6:28
